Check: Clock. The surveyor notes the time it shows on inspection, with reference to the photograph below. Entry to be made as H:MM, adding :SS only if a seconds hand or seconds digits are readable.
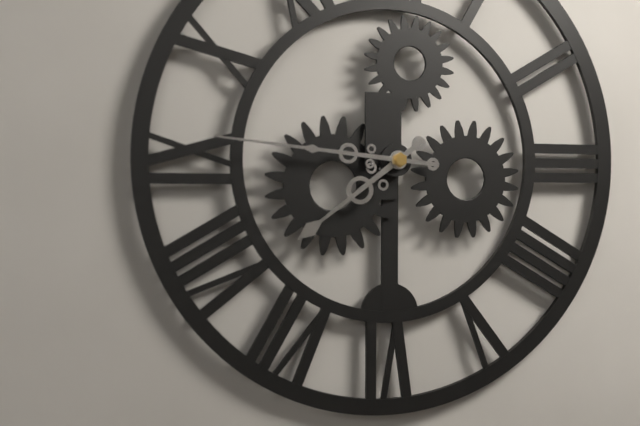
7:46
